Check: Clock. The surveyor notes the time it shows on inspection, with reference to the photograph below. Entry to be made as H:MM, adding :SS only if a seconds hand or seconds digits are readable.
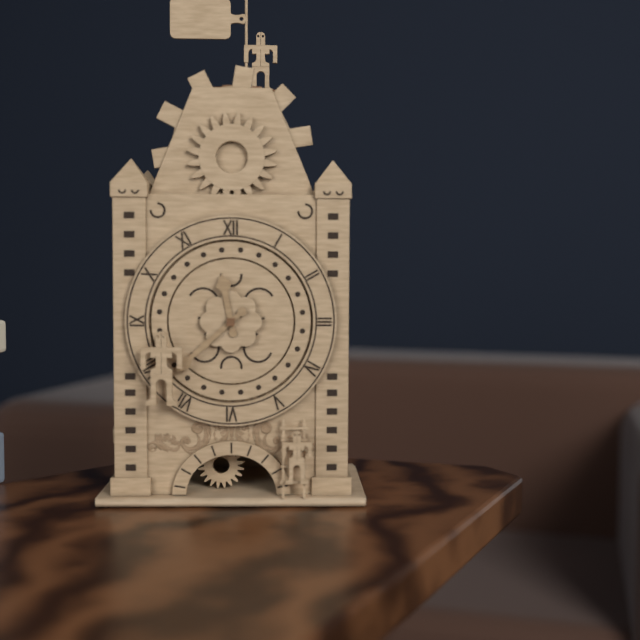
11:38
